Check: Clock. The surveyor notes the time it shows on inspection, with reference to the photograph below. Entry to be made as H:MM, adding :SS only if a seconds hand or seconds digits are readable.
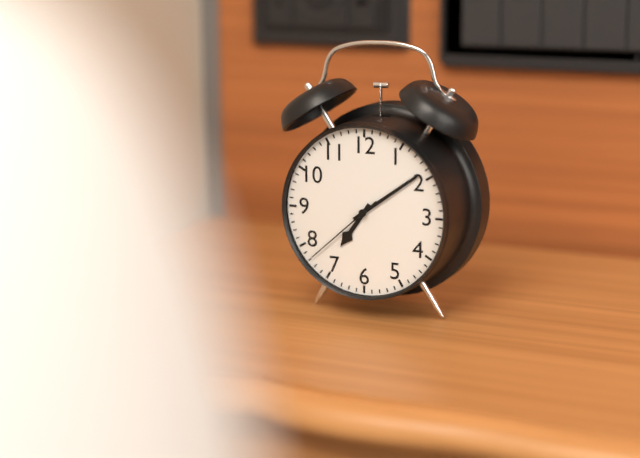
7:09:38
